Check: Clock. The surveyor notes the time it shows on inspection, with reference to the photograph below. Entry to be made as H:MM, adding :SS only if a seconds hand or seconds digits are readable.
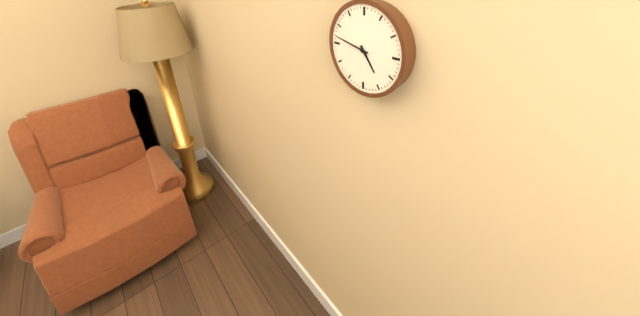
4:47
